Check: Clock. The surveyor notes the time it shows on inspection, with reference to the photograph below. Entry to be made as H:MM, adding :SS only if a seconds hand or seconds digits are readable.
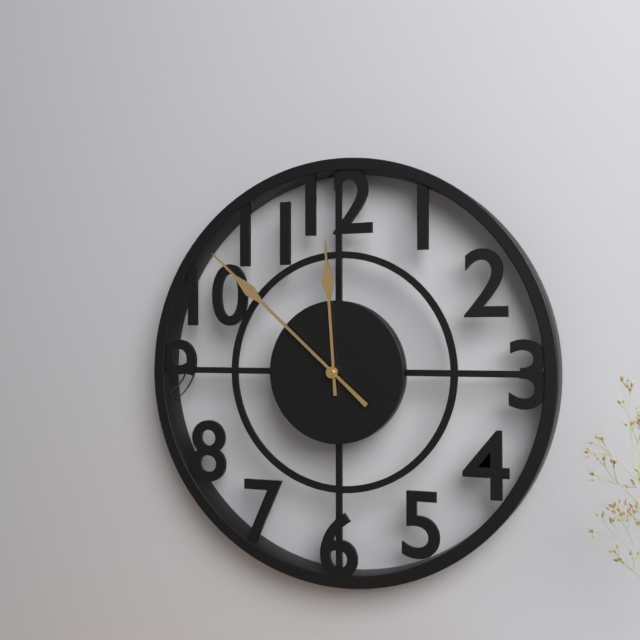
11:52
